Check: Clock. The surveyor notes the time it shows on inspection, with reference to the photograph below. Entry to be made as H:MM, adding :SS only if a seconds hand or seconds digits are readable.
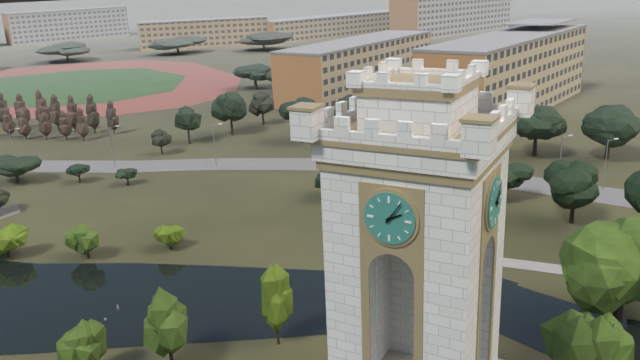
2:06
